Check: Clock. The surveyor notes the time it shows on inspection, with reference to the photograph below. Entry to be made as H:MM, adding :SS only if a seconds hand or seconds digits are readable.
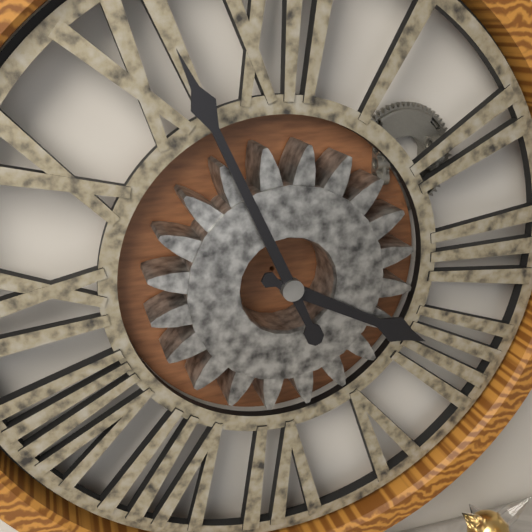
3:56
